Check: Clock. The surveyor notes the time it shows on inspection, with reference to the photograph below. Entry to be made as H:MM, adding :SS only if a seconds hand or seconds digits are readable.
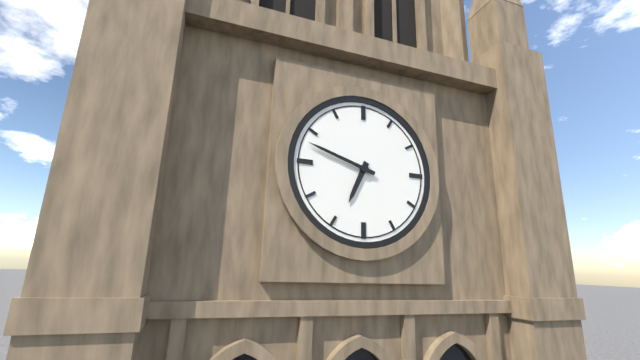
6:48
